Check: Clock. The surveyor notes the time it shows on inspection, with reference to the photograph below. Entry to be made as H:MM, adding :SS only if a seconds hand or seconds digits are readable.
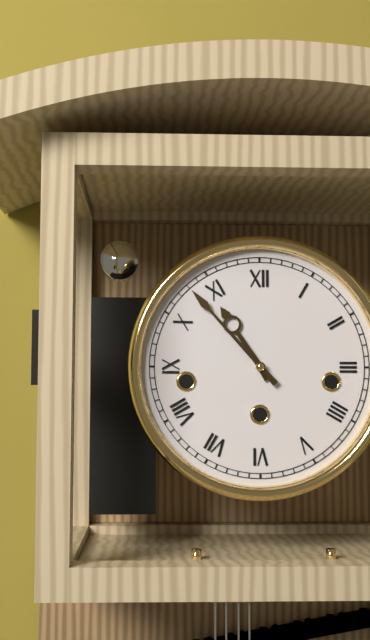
10:53
